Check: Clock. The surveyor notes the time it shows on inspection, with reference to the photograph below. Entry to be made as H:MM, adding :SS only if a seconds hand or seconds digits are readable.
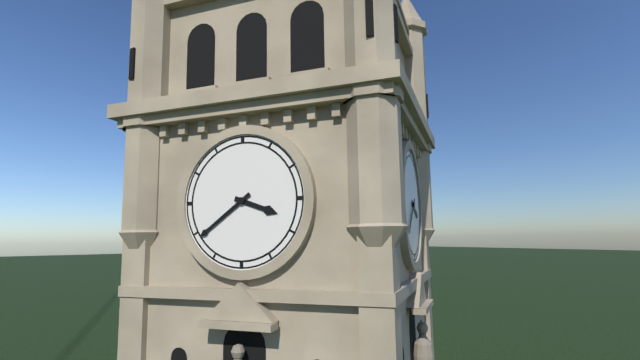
3:39
